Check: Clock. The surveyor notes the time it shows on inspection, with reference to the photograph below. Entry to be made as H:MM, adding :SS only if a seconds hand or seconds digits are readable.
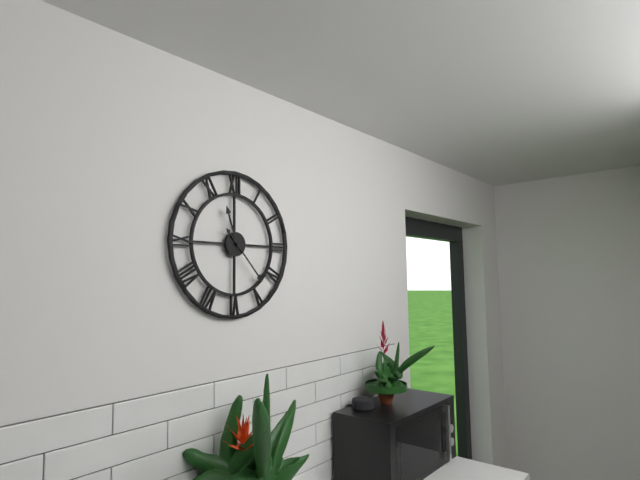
11:23
